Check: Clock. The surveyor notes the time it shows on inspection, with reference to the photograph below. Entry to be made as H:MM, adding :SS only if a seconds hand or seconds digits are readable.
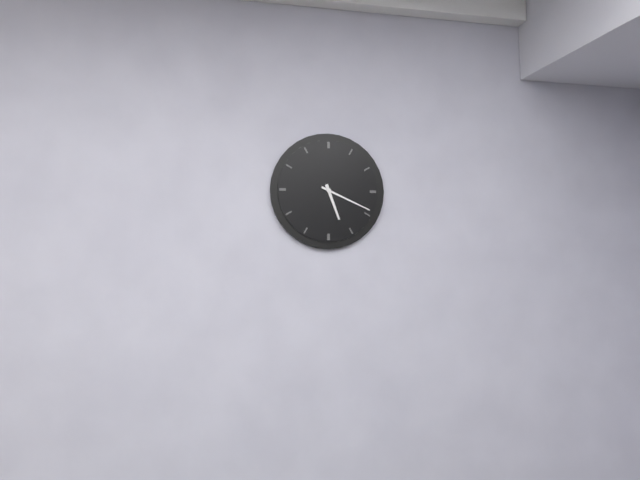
5:19
